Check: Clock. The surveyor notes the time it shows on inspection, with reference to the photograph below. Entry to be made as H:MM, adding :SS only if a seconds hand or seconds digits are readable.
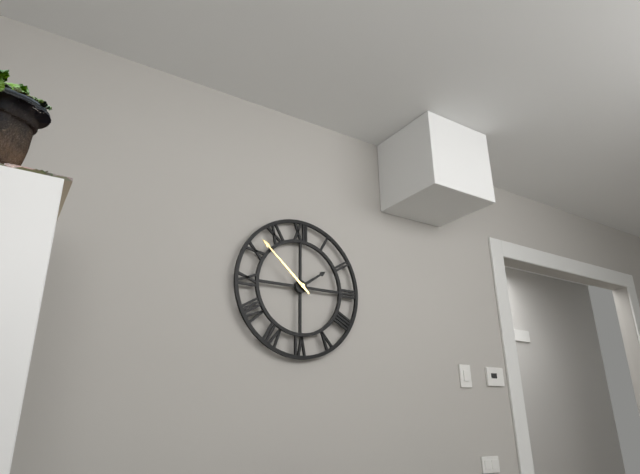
1:52
